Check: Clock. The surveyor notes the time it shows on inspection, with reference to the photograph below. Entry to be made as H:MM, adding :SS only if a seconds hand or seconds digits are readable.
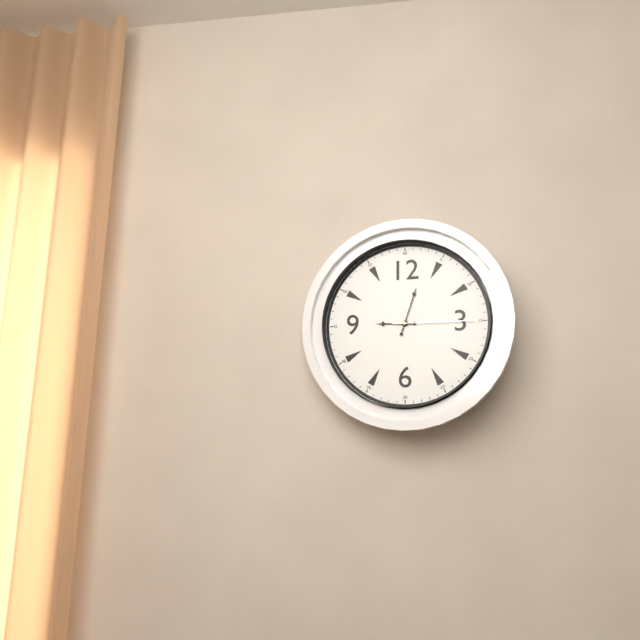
9:03:15
